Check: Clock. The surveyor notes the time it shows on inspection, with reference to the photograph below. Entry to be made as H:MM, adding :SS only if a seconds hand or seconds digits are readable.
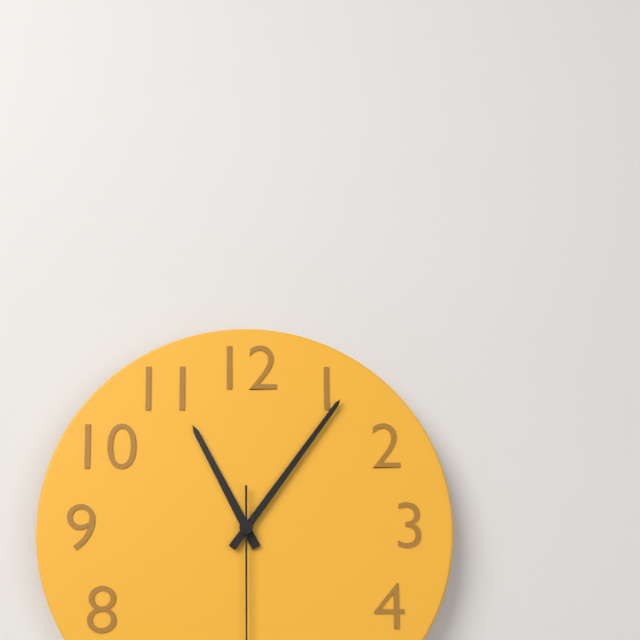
11:06
